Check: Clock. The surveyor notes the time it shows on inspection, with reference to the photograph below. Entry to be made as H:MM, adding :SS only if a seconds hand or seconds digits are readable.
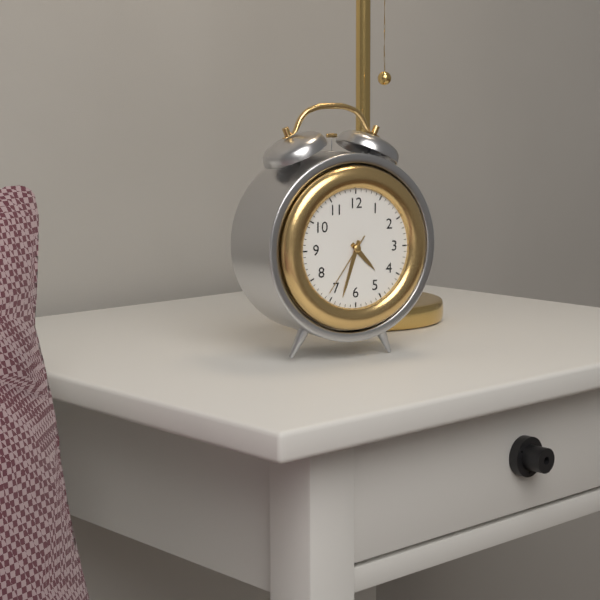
4:33:36
